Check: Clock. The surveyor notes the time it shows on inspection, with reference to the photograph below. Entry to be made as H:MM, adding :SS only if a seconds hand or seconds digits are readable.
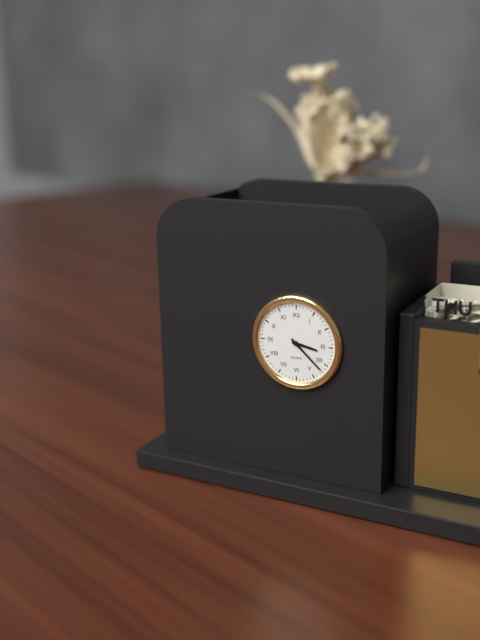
3:22
